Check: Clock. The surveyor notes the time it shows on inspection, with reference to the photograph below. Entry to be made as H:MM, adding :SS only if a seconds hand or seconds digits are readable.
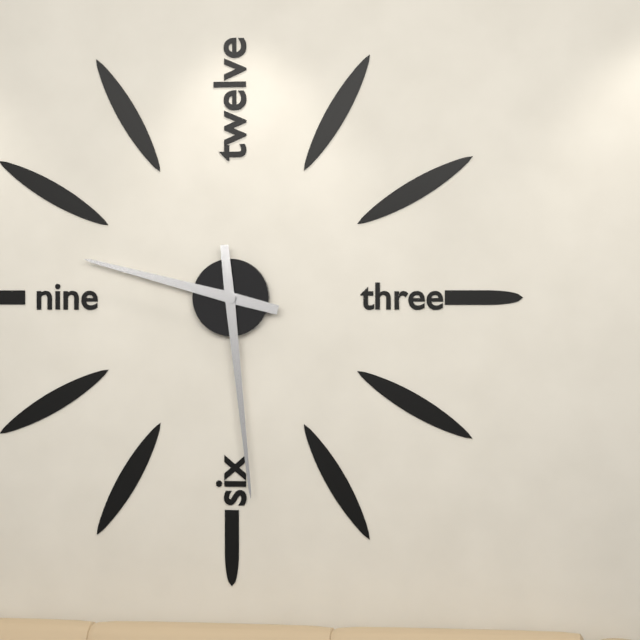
9:29
